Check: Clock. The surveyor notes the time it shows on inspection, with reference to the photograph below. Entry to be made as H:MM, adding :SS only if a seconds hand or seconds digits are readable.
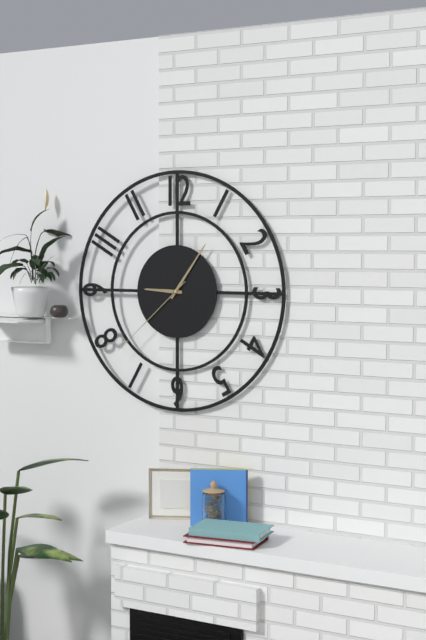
9:06:38
